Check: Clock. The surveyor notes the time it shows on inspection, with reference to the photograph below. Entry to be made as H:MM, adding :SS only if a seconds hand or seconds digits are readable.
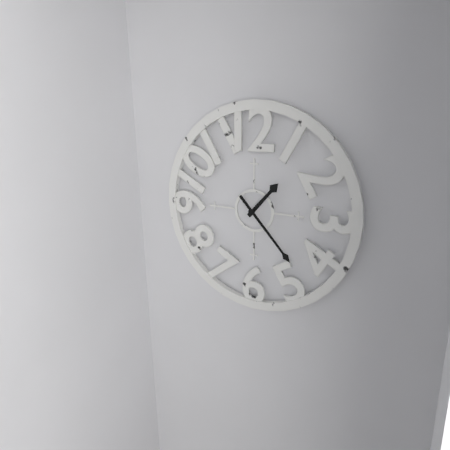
1:23
